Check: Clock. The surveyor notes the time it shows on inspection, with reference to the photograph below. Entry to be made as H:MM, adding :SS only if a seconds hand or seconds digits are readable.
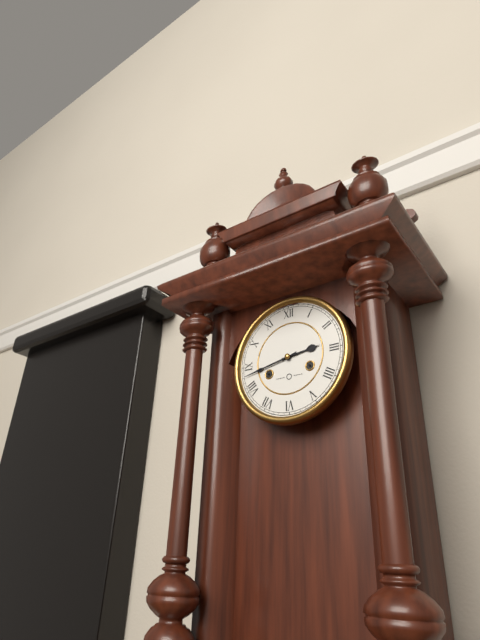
2:43
